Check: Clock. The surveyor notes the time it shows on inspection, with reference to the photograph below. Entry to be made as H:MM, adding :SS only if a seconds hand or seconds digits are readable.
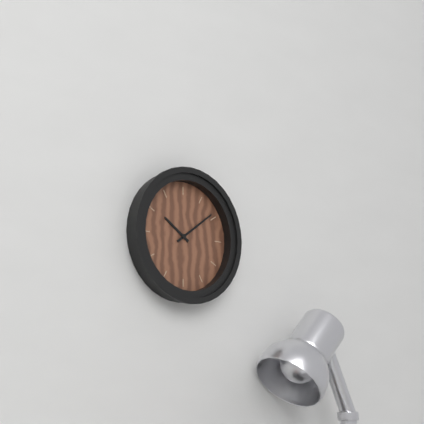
10:09
